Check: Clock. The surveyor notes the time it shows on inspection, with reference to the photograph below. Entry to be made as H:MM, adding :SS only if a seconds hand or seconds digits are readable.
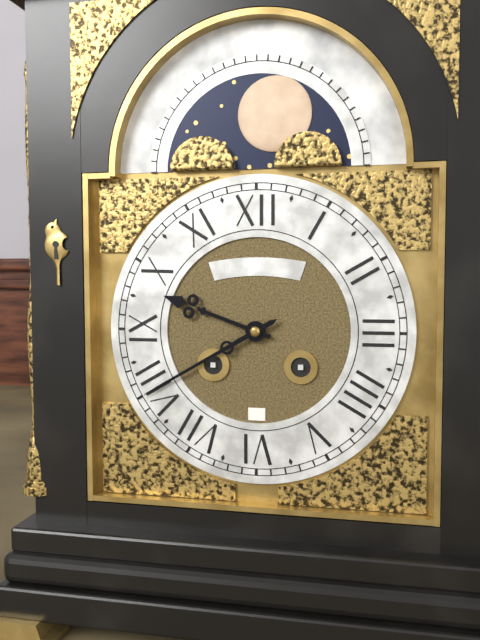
9:40
